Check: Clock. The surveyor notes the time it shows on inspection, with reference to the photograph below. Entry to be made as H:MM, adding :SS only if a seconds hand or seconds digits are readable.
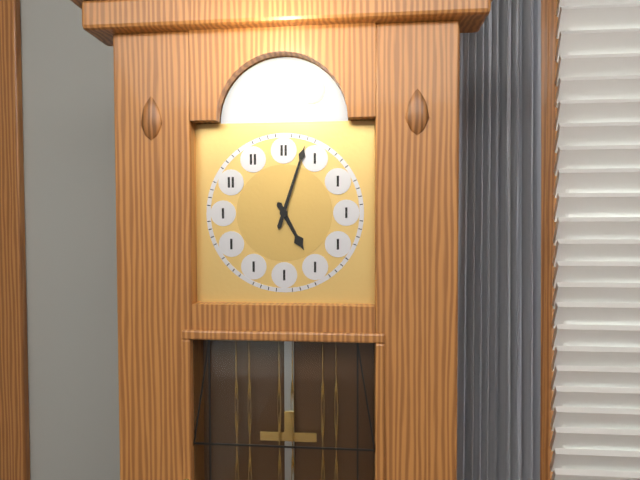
5:03
